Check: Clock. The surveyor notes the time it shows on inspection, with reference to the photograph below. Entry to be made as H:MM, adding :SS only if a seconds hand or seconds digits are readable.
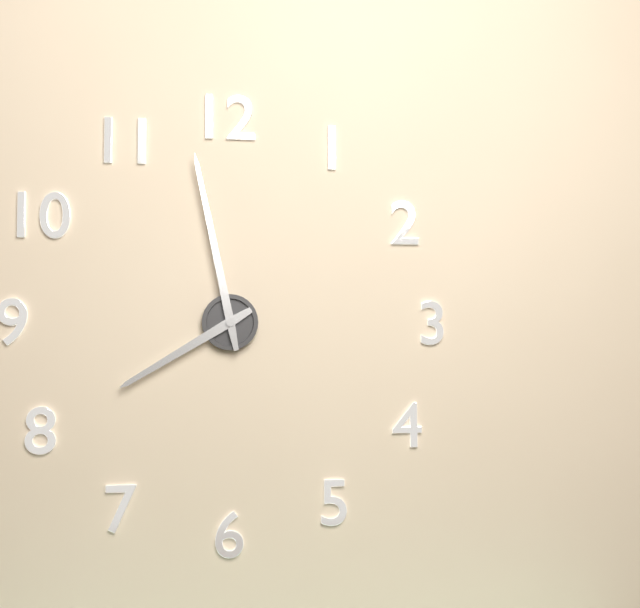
7:58
